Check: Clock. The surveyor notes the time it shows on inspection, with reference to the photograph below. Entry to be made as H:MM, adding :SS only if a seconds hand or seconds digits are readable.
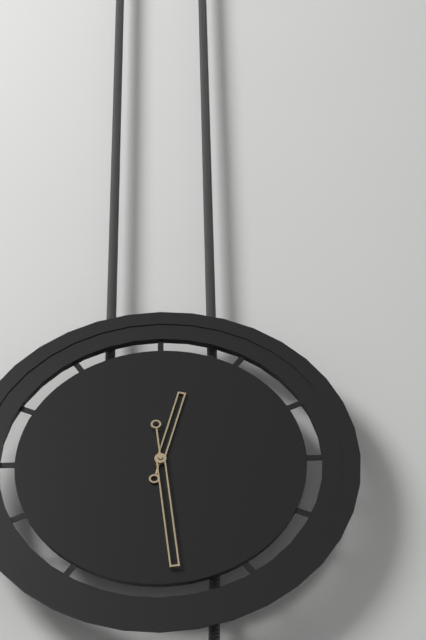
12:29
